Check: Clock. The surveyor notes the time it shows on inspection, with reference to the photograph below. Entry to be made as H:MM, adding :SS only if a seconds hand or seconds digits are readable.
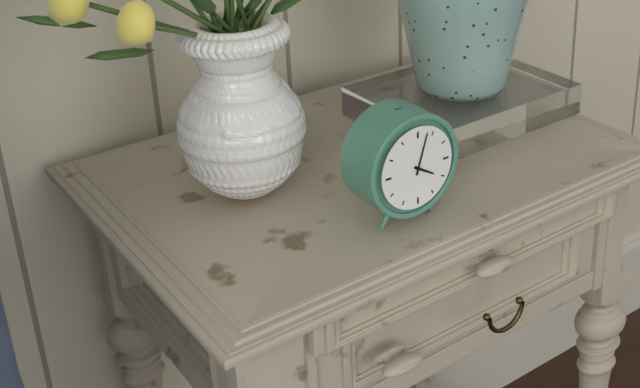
4:03
